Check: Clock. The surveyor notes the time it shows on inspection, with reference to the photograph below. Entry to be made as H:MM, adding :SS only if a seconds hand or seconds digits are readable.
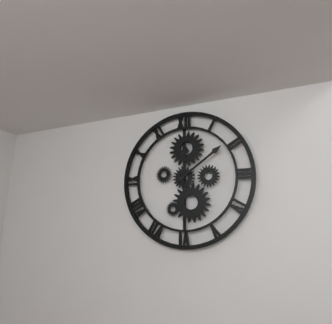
12:09
